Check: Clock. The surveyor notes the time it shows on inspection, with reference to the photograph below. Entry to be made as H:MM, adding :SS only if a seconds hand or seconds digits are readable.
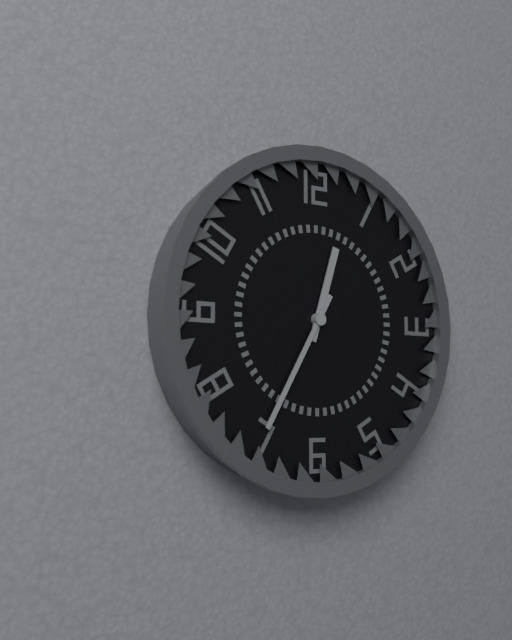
12:35
